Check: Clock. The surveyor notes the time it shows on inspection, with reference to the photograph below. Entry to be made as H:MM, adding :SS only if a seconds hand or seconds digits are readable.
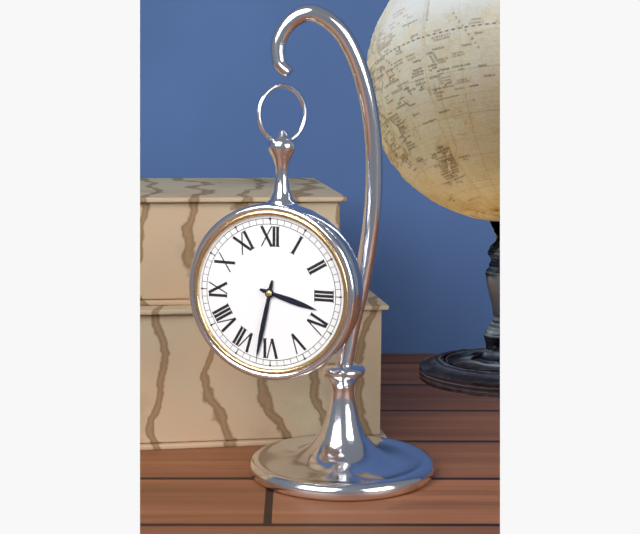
3:32
